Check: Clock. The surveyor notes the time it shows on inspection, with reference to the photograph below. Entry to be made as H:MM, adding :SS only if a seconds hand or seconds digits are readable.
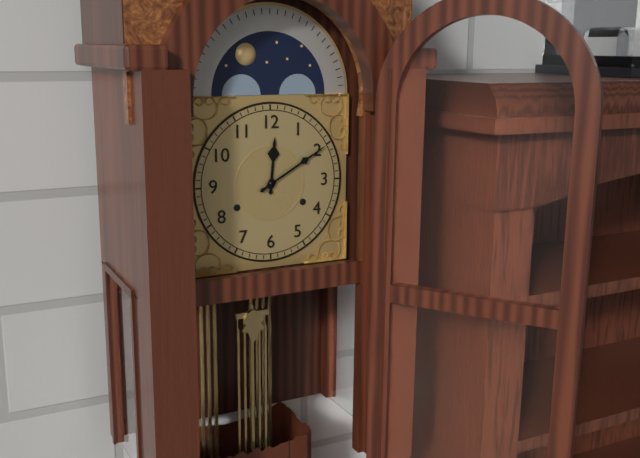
12:10
